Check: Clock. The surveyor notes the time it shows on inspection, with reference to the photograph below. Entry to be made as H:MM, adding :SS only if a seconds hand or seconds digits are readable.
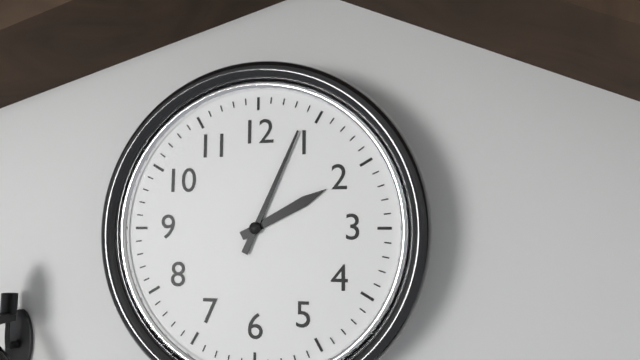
2:04
